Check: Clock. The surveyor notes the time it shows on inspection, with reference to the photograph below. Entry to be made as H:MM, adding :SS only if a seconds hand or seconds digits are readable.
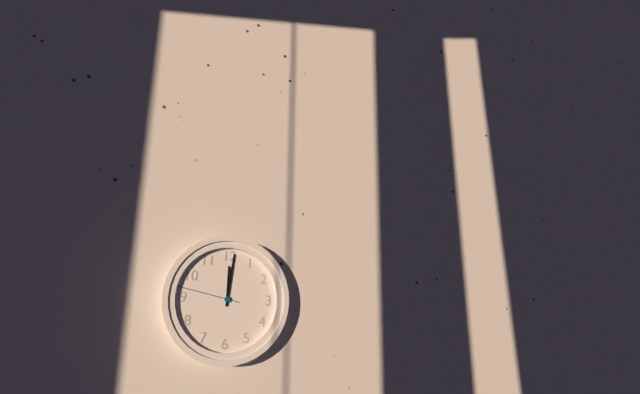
12:01:47
